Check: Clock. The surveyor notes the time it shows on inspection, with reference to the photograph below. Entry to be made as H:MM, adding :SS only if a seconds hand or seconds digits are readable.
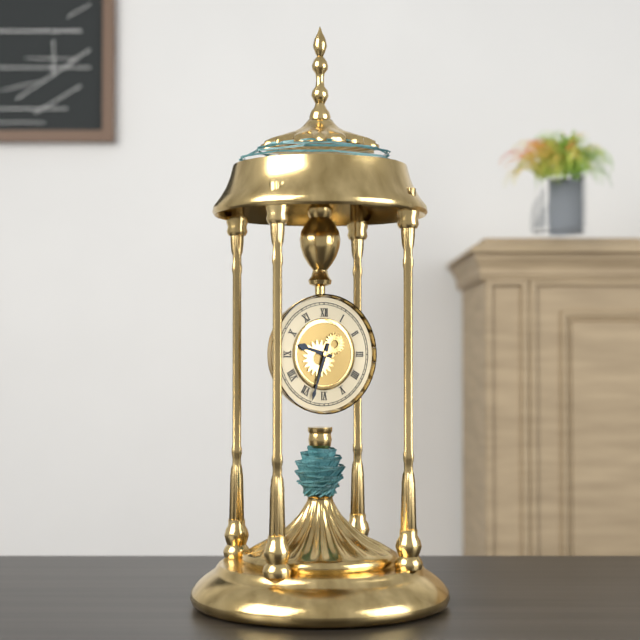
9:33
